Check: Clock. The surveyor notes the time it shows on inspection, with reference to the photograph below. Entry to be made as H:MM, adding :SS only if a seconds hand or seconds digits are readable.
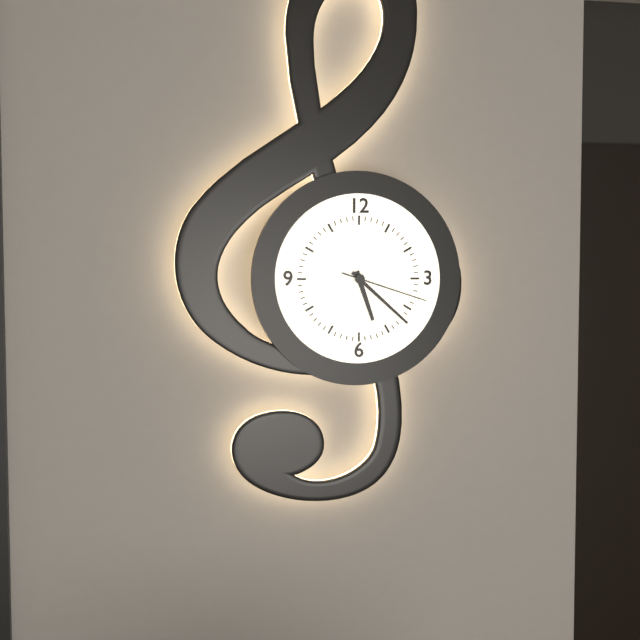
5:22:18
